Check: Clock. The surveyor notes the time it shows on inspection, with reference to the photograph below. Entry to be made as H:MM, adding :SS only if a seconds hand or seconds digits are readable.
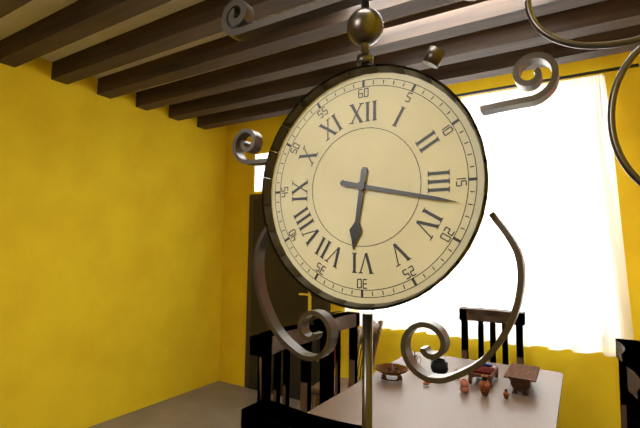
6:17
